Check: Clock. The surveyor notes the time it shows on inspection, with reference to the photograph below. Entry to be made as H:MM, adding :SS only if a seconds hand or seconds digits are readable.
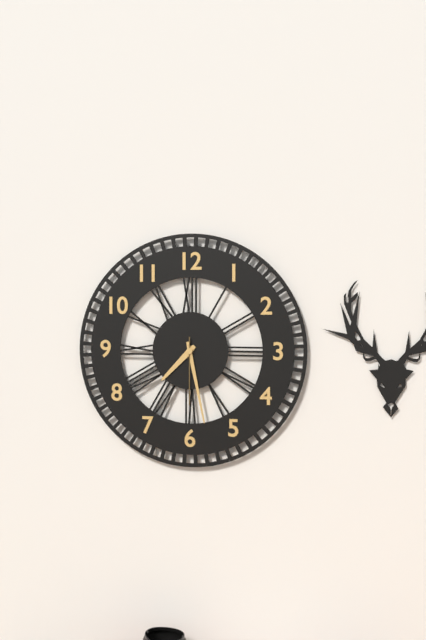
7:28:30
